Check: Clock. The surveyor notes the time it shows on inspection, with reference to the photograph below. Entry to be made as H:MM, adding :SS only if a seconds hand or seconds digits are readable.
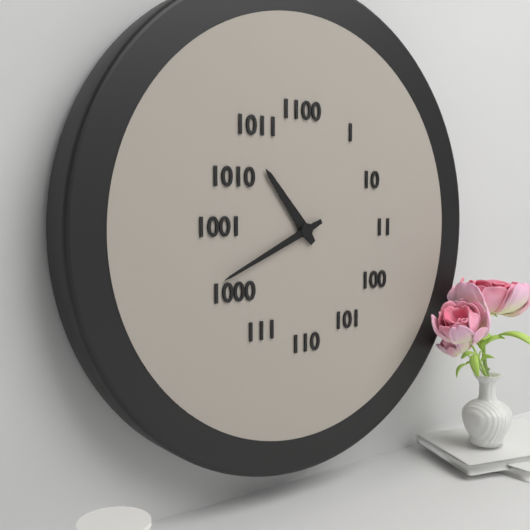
10:41
